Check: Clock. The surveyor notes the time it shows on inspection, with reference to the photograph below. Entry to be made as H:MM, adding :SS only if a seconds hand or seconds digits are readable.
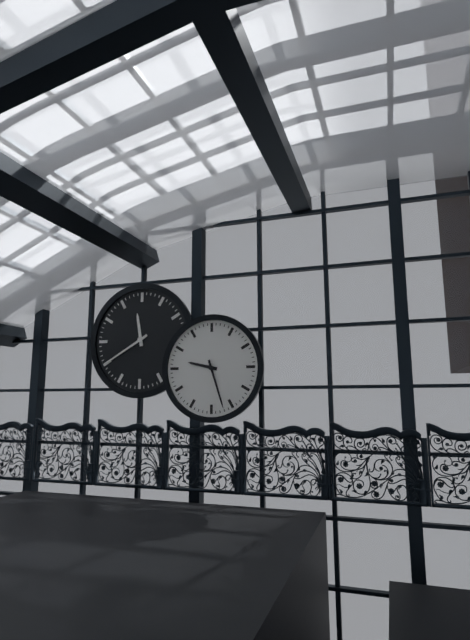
9:27
